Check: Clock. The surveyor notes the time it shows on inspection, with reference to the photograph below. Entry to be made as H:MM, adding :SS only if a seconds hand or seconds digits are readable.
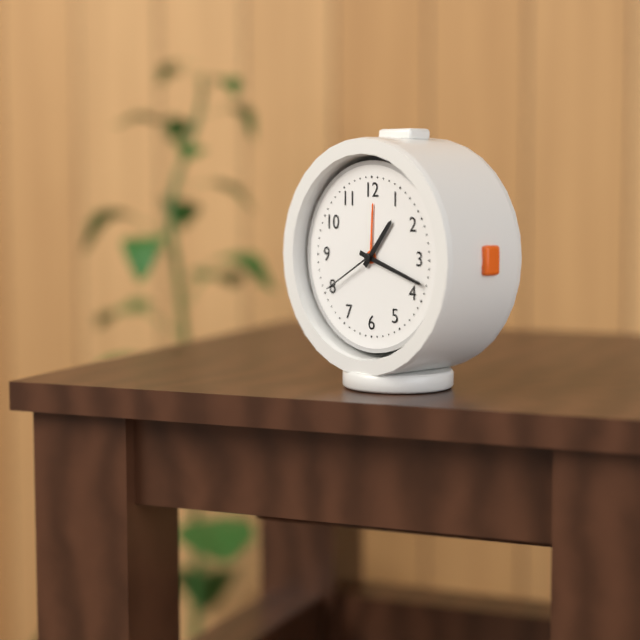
1:18:40
